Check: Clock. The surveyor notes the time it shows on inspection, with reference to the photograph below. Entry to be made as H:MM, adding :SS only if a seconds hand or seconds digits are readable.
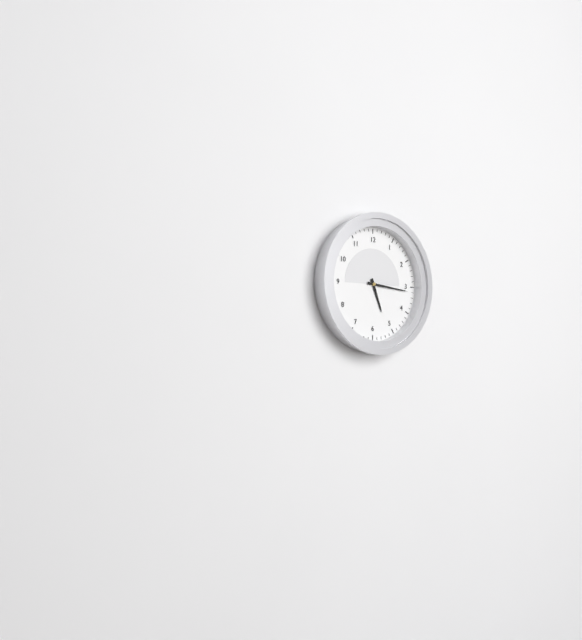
5:16
